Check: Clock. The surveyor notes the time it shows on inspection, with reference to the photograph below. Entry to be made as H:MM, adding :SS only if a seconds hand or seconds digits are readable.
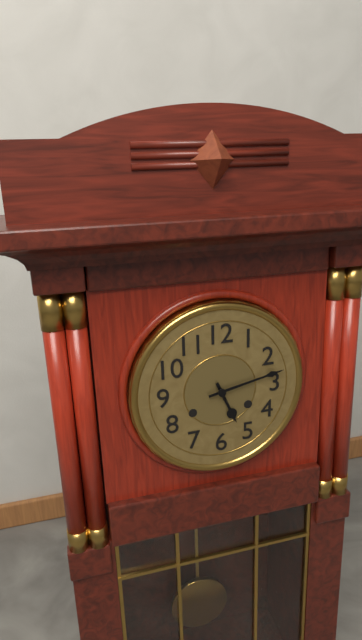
5:13
